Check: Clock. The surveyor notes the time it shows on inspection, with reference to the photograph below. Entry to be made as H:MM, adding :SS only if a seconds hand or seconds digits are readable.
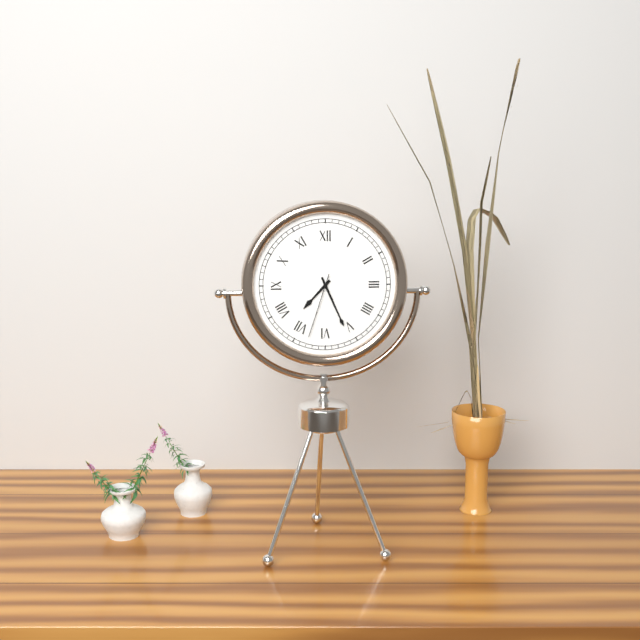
7:26:33
